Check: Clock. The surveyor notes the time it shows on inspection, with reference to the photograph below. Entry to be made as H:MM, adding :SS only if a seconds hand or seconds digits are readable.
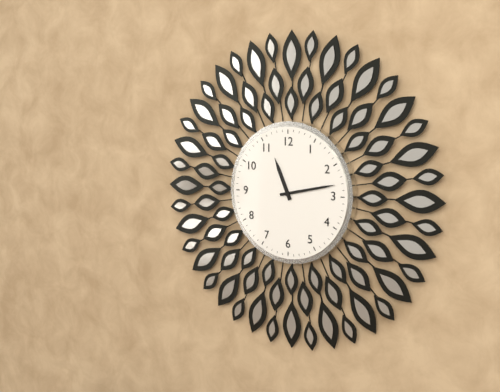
11:13
